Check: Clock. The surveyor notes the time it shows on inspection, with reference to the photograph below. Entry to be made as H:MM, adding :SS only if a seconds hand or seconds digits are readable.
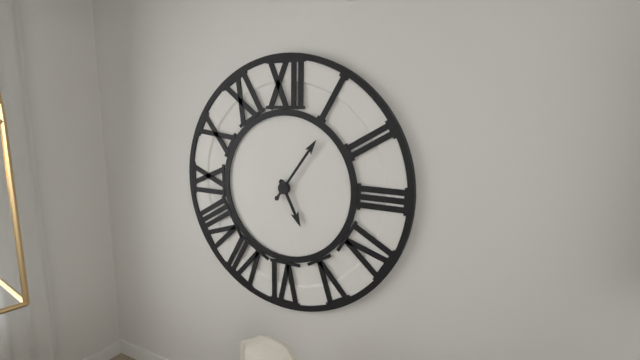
5:06
